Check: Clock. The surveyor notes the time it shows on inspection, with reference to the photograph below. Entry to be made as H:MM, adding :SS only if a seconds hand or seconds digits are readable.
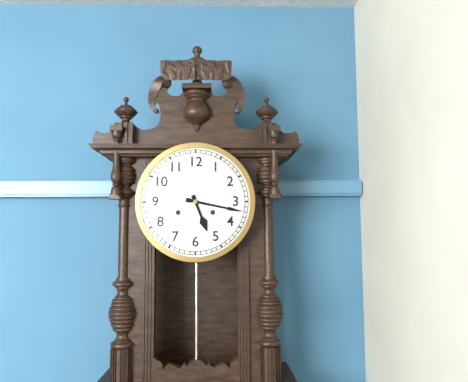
5:17
